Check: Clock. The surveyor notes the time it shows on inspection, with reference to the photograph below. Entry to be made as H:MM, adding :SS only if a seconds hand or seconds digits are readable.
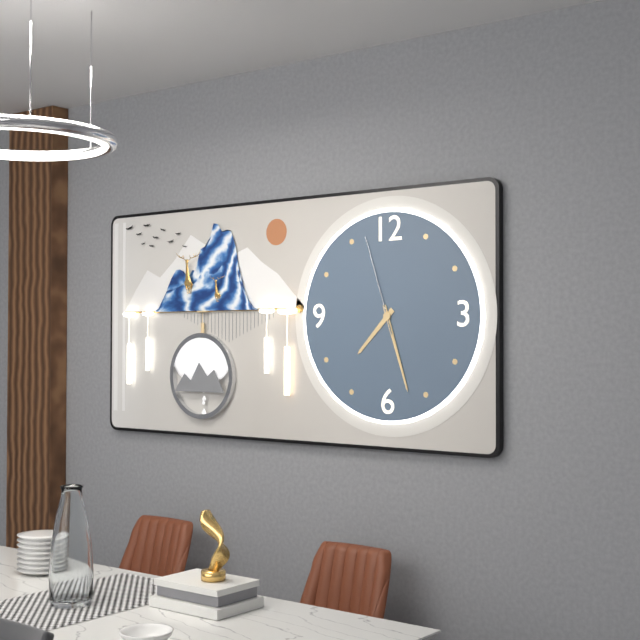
7:27:57
